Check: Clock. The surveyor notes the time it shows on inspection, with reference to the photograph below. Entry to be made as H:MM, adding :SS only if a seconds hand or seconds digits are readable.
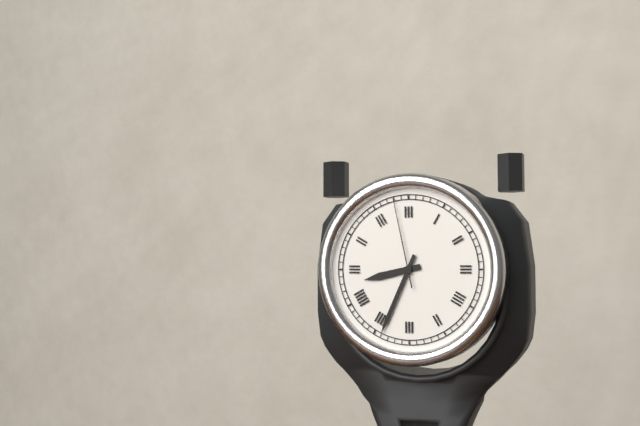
8:34:58
